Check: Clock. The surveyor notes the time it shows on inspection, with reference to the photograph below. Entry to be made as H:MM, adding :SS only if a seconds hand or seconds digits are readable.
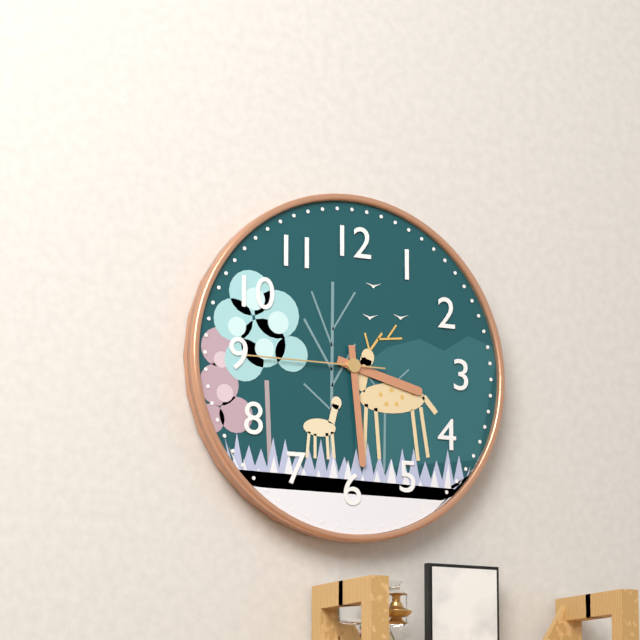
3:29:45
